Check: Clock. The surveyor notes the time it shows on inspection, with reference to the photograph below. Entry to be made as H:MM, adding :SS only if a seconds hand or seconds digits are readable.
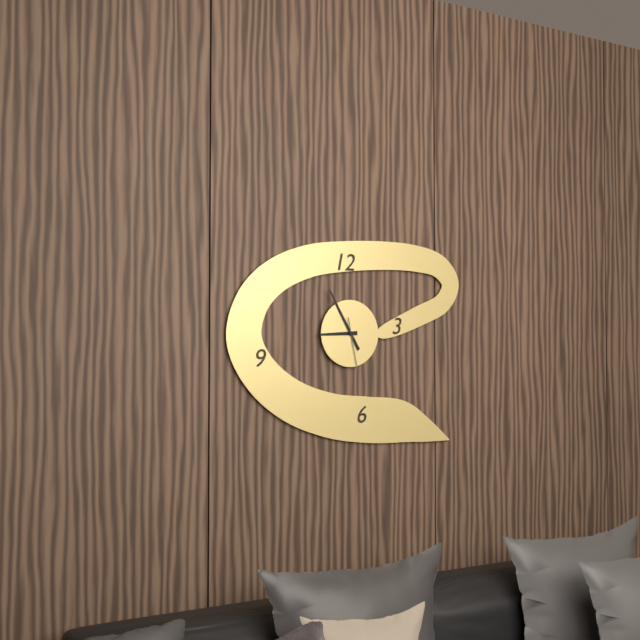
8:55
